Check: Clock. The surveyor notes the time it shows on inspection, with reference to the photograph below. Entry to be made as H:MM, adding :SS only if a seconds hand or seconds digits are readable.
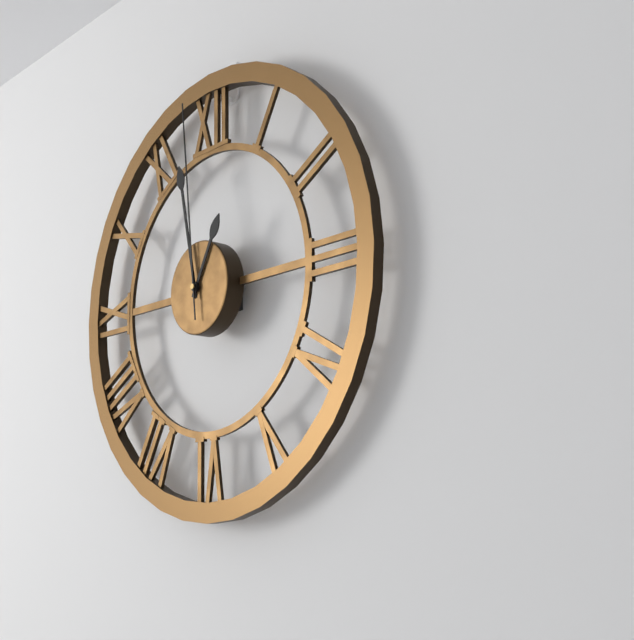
12:58:59
